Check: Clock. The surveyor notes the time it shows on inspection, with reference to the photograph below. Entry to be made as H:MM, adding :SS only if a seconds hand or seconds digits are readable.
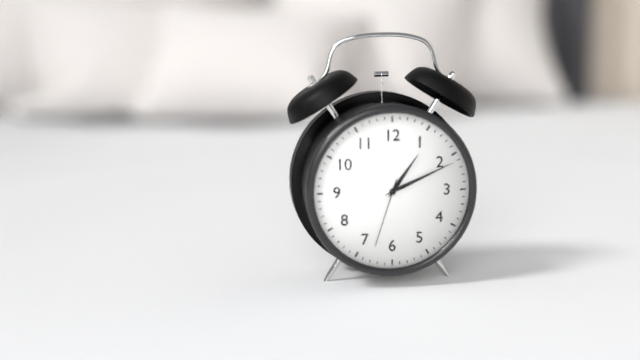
1:11:33
